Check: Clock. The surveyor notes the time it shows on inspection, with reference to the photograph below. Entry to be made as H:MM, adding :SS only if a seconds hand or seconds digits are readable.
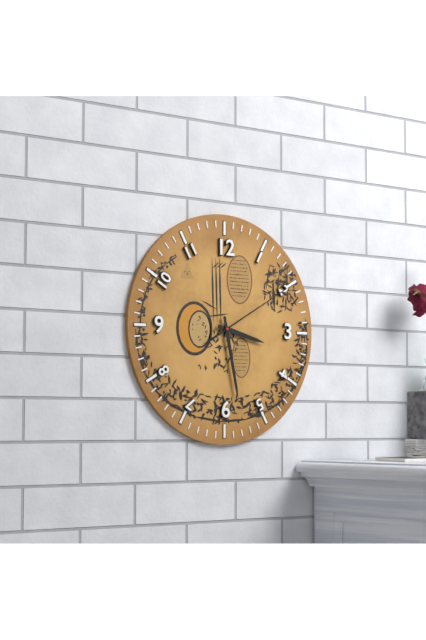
3:28:10
